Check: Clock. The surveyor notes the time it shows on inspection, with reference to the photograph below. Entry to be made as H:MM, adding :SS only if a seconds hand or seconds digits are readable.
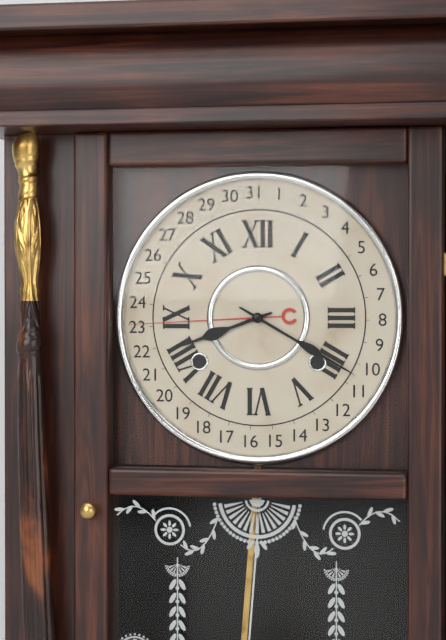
8:20
